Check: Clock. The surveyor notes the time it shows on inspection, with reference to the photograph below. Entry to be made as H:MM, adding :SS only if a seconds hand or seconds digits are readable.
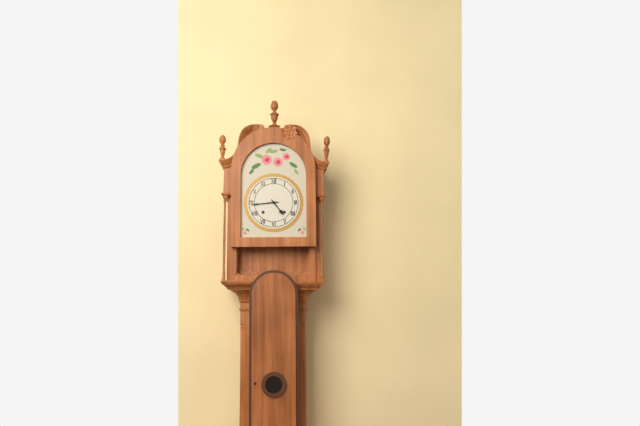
4:44
